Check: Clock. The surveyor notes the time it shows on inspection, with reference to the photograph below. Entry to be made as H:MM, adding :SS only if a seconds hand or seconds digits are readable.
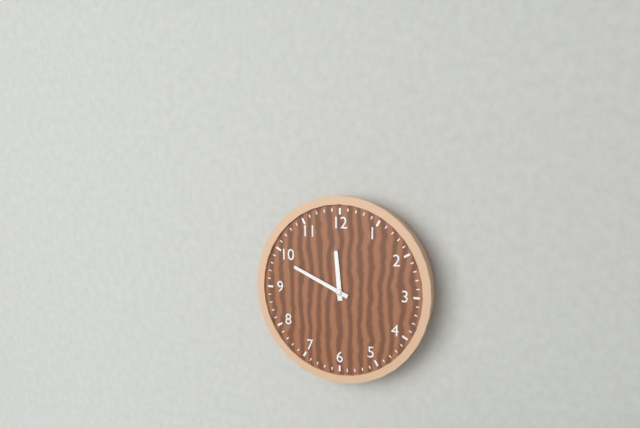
11:49
